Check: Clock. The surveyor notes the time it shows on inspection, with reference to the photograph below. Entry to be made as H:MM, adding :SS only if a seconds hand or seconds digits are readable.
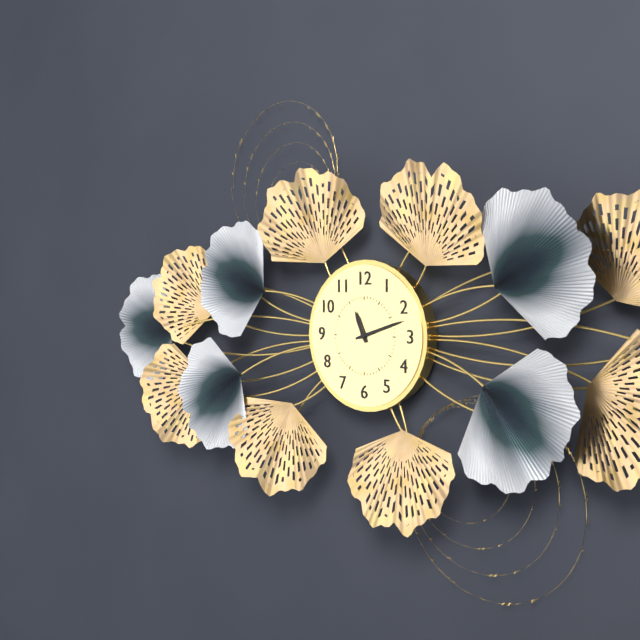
11:12
